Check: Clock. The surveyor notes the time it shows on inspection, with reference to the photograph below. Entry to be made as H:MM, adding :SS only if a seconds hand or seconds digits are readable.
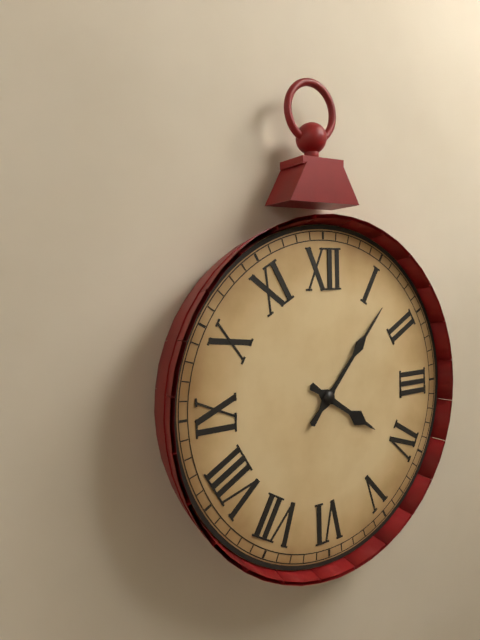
4:07
